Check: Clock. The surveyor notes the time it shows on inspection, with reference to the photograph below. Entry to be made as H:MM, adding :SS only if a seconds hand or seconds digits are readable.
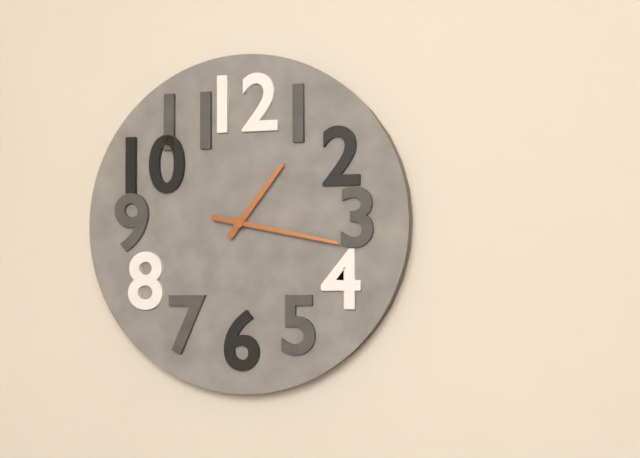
1:17
